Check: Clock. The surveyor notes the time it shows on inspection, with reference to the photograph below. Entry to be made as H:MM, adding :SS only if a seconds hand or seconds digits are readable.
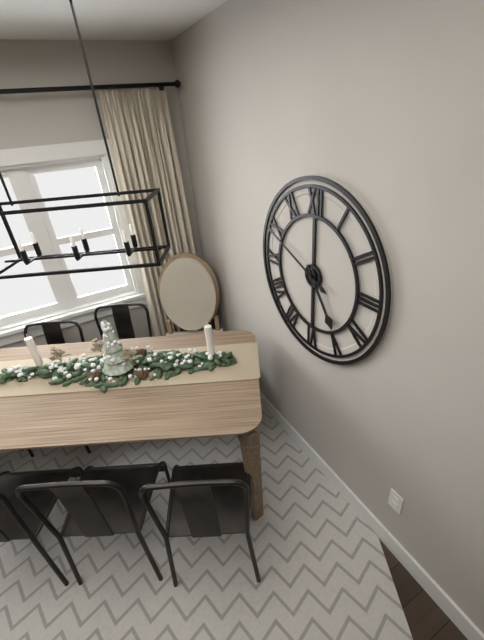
4:49
